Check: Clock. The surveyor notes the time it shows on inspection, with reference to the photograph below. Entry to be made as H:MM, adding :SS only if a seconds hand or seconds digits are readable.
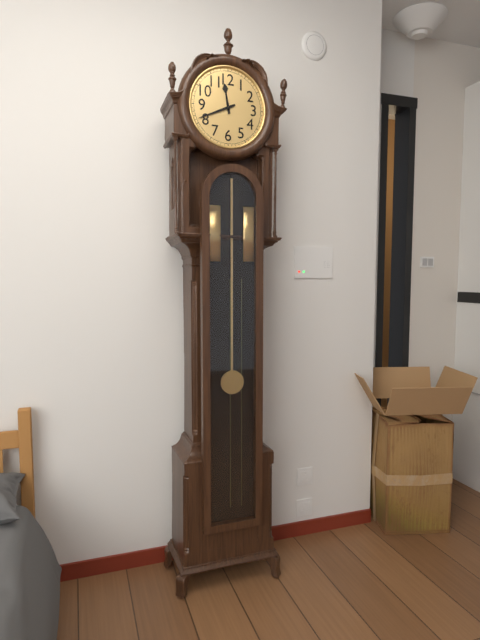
11:41
